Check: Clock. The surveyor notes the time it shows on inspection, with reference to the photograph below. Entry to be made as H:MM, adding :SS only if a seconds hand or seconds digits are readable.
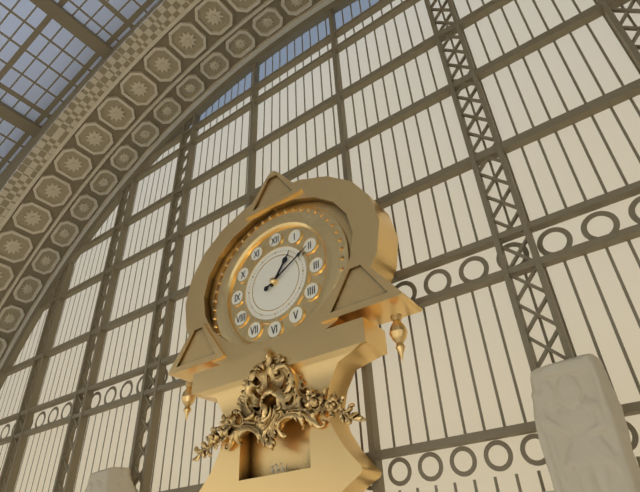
1:10
